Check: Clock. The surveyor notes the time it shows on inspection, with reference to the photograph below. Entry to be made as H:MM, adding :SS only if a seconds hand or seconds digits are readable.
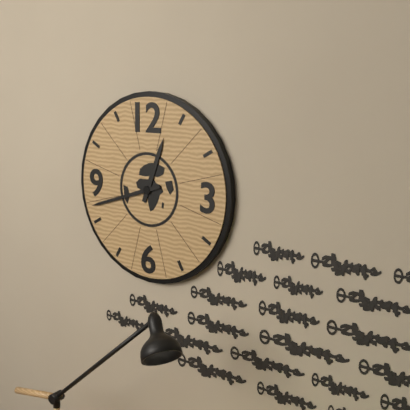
12:42
